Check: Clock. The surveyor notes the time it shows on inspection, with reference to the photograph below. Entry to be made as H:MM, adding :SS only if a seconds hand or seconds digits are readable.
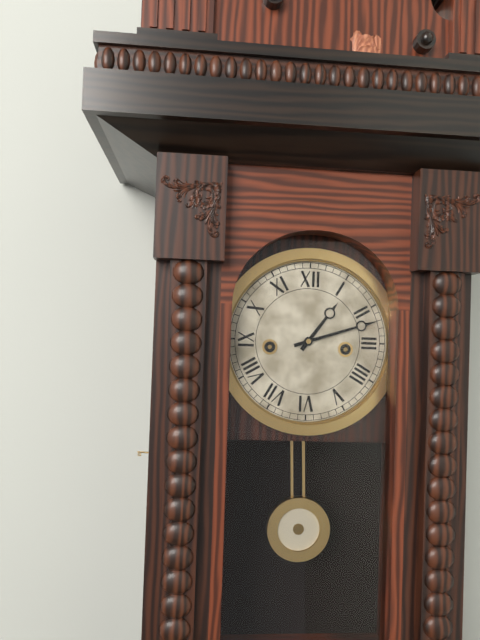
1:12
